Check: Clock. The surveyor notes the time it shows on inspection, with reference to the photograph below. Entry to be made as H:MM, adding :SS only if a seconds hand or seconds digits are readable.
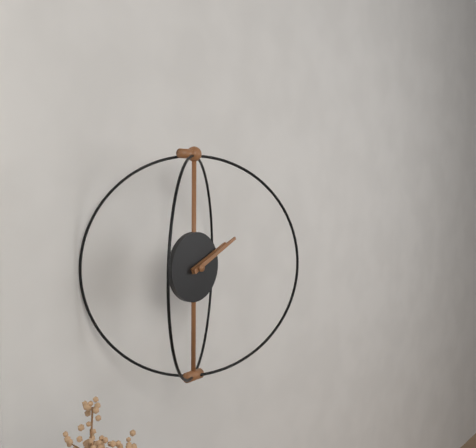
2:11
